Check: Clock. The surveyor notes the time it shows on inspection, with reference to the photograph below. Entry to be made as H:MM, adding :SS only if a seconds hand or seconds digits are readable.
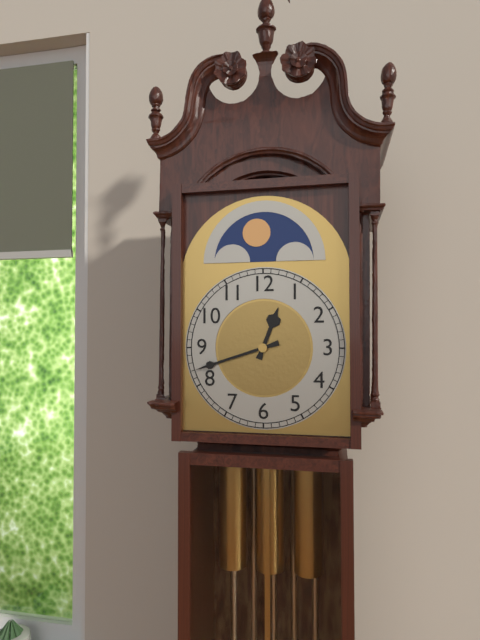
12:42
